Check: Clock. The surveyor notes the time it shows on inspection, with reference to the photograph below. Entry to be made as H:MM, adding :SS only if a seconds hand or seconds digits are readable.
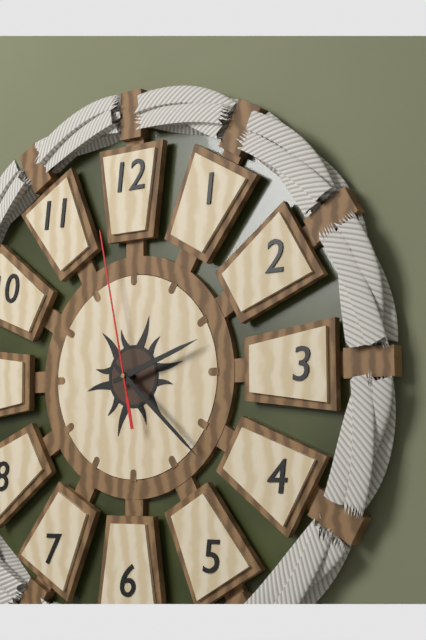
2:22:58
